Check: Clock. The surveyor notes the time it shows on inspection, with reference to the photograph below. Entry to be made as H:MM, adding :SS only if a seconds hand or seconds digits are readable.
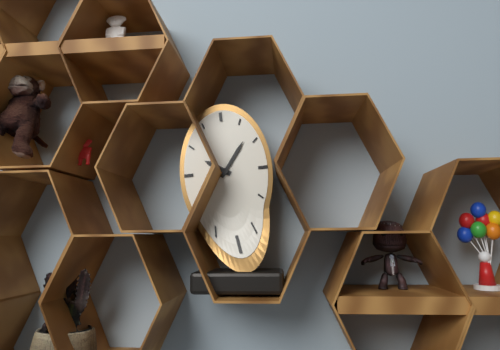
10:06
